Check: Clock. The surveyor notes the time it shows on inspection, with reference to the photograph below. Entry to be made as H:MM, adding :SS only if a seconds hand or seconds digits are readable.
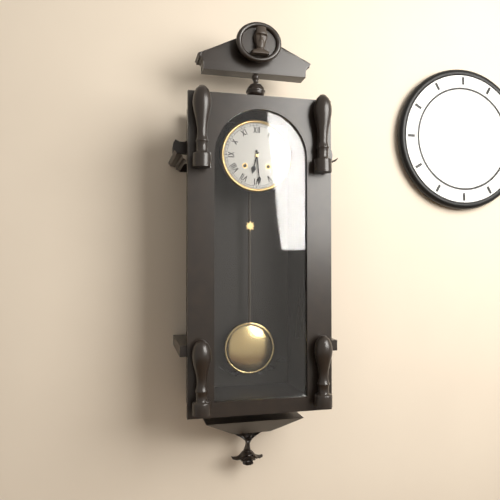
6:29
